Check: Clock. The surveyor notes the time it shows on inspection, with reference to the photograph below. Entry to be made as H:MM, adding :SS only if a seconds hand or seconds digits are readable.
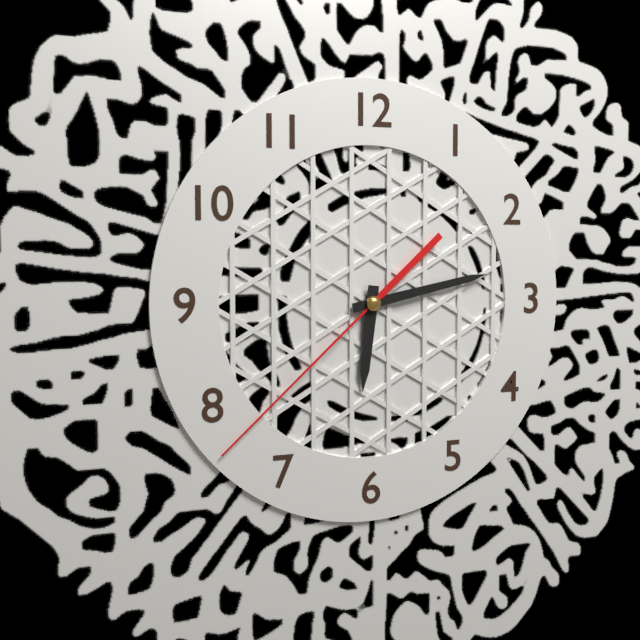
6:13:38
